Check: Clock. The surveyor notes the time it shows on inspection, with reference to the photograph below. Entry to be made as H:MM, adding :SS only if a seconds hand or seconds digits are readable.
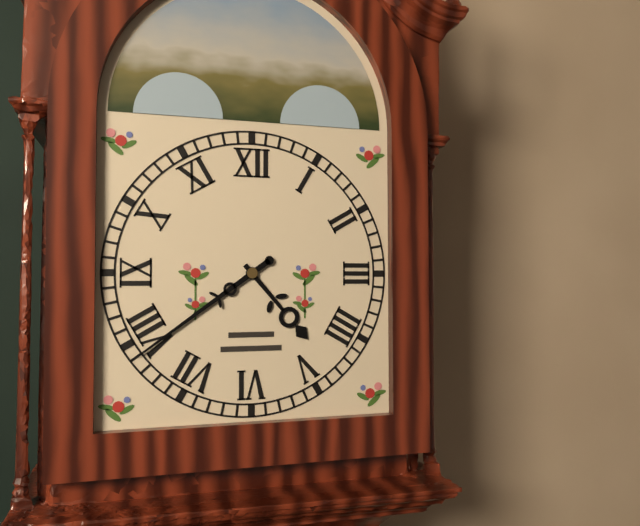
4:39
